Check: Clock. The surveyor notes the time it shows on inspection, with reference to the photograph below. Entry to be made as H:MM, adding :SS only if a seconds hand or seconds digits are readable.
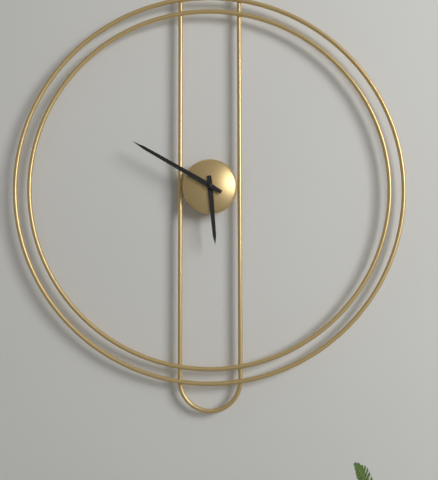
5:50
